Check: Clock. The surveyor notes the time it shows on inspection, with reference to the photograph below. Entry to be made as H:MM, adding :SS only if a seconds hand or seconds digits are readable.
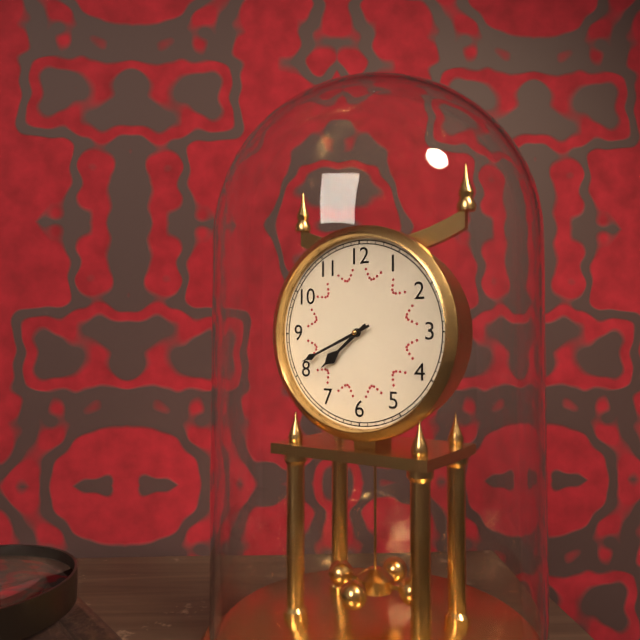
7:41
